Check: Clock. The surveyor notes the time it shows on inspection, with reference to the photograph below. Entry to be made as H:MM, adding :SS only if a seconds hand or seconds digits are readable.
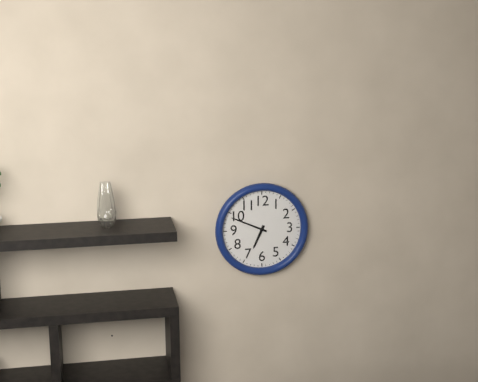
6:49
